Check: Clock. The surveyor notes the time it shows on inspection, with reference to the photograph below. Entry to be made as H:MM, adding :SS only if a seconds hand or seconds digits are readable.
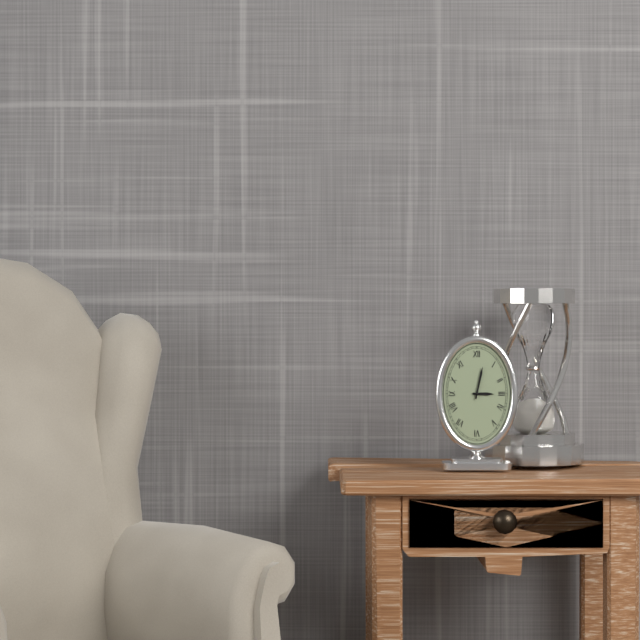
3:02
